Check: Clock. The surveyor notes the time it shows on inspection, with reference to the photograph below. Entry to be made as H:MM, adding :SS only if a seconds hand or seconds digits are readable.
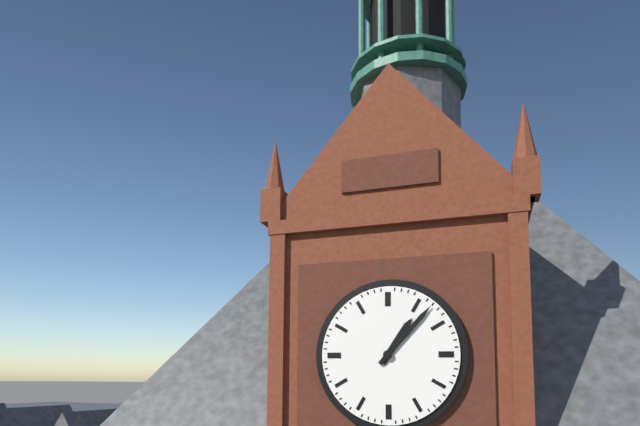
1:07
